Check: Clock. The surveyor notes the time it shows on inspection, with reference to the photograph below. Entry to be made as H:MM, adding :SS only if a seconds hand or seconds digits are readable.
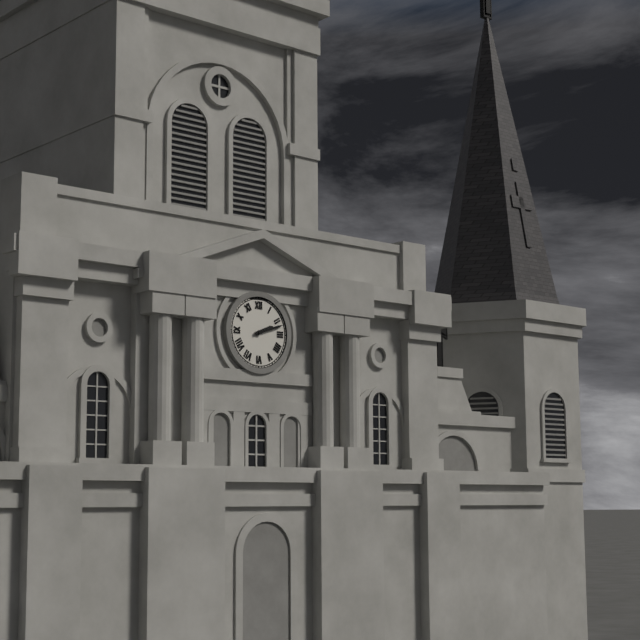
2:12
